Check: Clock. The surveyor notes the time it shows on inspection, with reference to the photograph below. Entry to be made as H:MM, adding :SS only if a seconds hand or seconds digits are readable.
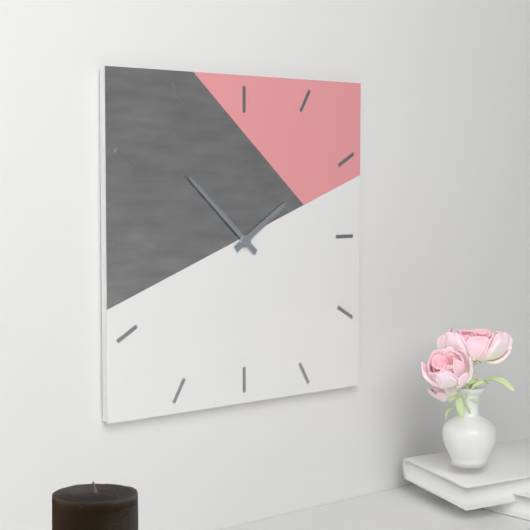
1:52
